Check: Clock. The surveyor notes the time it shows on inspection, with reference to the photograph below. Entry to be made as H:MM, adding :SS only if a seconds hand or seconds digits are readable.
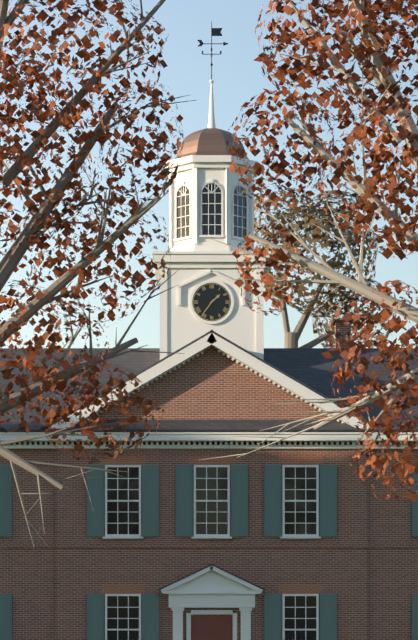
1:36
